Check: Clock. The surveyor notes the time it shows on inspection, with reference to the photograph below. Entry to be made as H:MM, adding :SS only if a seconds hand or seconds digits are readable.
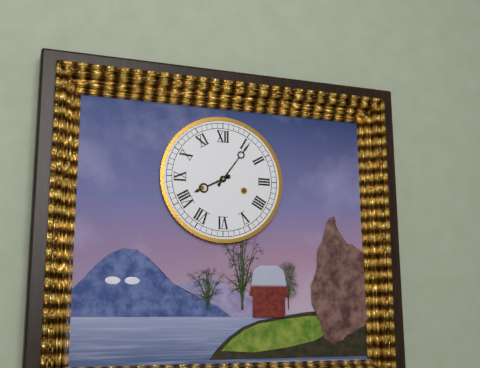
8:06
